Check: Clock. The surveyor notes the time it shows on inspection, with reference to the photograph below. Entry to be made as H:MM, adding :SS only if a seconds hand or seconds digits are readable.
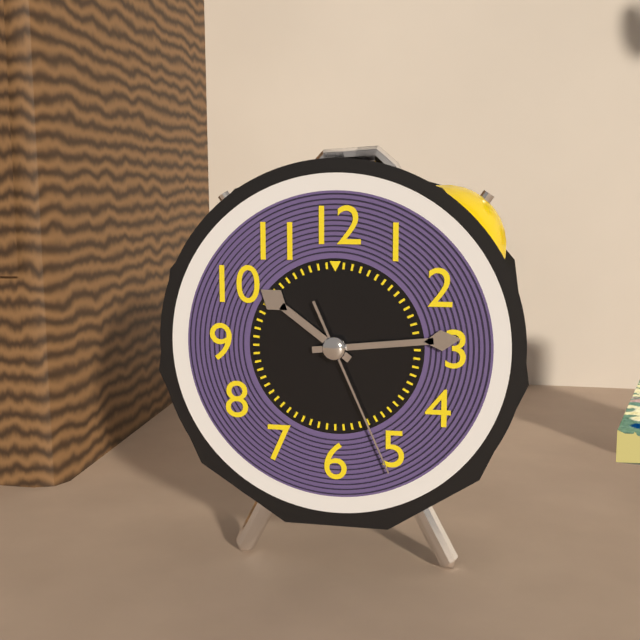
10:14:26
